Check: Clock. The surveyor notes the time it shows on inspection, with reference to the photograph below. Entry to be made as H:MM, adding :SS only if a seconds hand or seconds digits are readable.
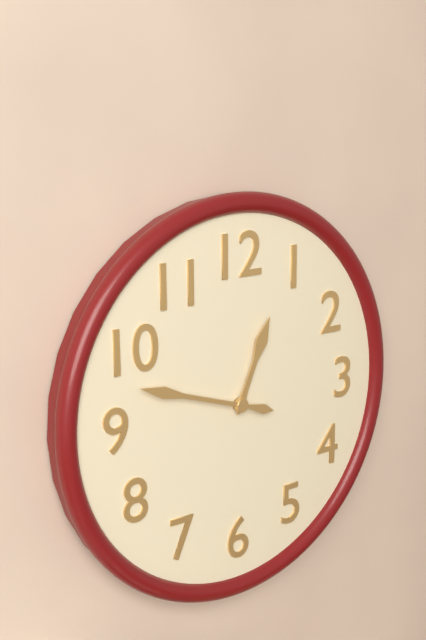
12:48
